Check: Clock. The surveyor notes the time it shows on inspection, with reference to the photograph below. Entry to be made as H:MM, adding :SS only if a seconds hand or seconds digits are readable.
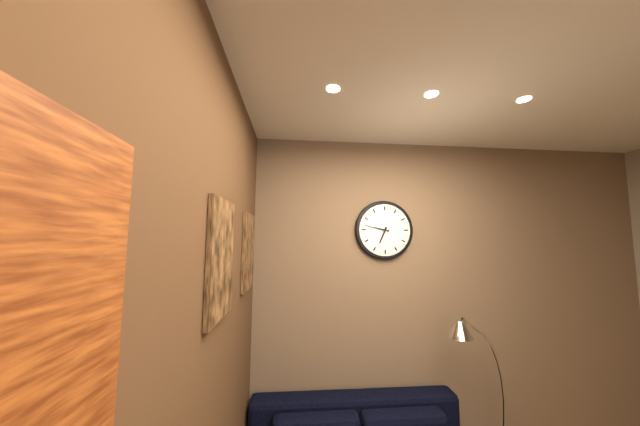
6:47
